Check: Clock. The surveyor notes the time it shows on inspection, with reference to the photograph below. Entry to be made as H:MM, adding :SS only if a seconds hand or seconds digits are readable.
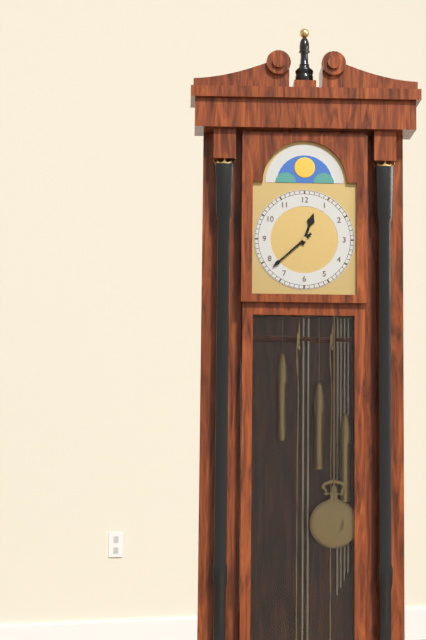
12:38
